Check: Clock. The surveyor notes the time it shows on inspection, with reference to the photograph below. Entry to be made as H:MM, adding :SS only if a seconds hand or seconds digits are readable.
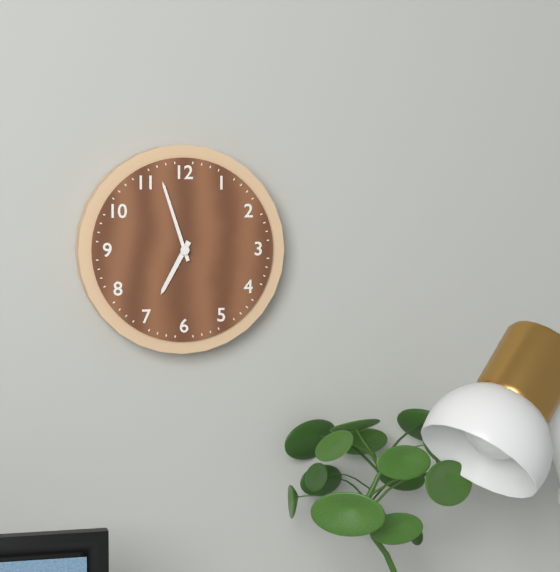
6:57
